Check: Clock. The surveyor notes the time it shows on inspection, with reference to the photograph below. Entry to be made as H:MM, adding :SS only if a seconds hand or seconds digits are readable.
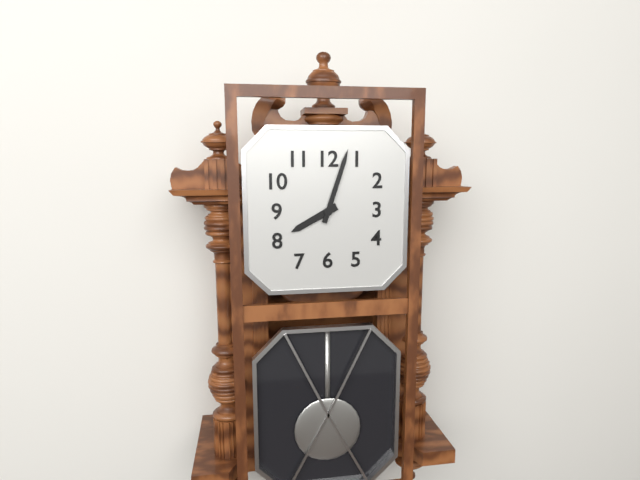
8:03
